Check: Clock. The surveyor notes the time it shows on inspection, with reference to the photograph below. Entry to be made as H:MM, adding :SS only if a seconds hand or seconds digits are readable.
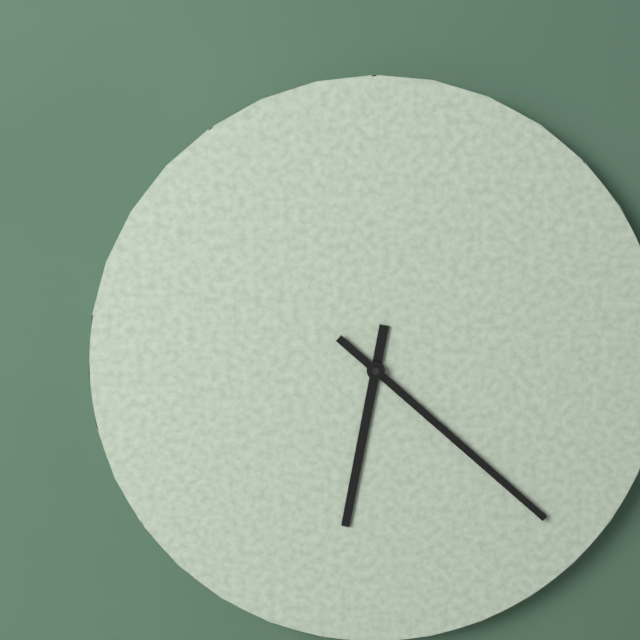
6:22
